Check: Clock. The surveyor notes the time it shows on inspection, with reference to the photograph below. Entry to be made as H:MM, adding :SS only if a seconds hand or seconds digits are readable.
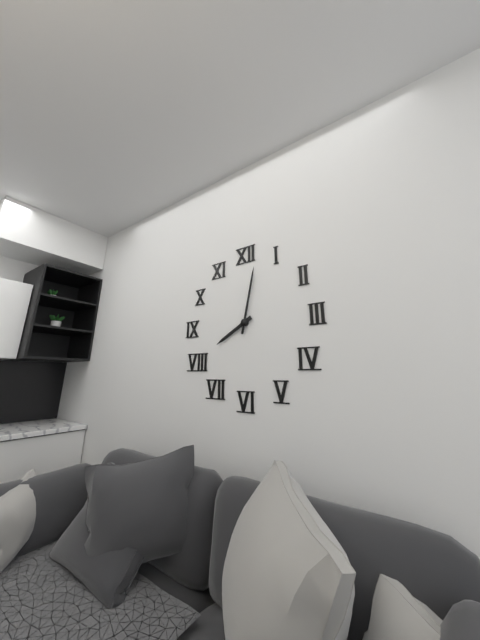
8:02
